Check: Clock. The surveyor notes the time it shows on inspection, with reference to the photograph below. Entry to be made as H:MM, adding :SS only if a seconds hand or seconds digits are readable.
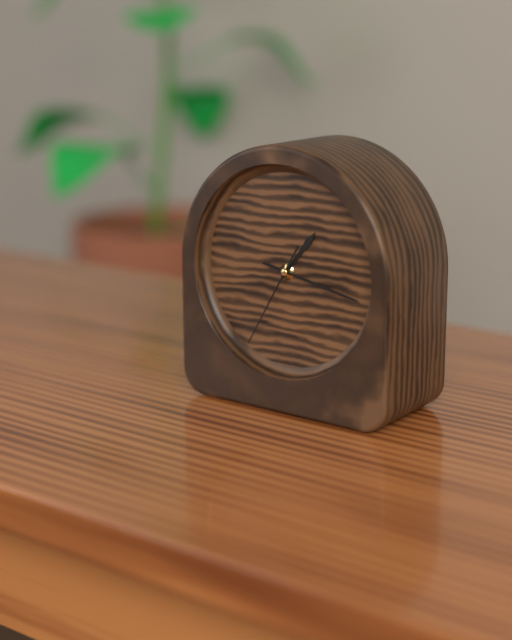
1:17:35
